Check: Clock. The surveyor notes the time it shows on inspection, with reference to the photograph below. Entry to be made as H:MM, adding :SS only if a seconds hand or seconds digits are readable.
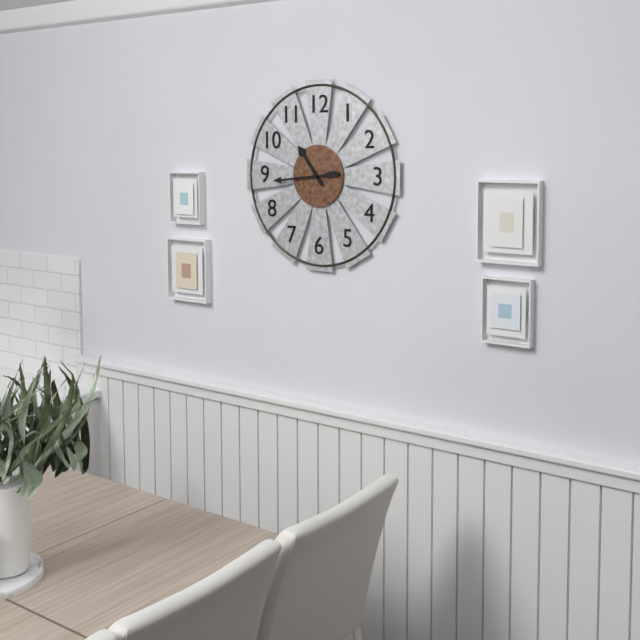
10:44
